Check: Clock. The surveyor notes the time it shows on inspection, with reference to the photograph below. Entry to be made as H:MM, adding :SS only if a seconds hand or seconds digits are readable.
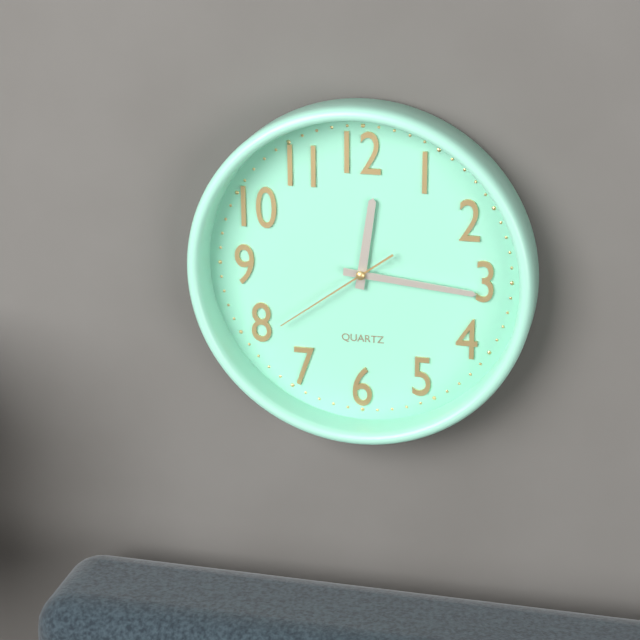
12:16:39
